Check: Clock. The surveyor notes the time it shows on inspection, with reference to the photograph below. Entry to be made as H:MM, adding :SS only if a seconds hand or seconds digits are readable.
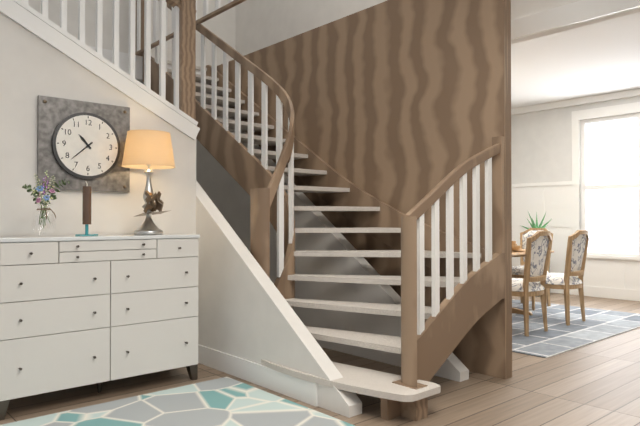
10:38
